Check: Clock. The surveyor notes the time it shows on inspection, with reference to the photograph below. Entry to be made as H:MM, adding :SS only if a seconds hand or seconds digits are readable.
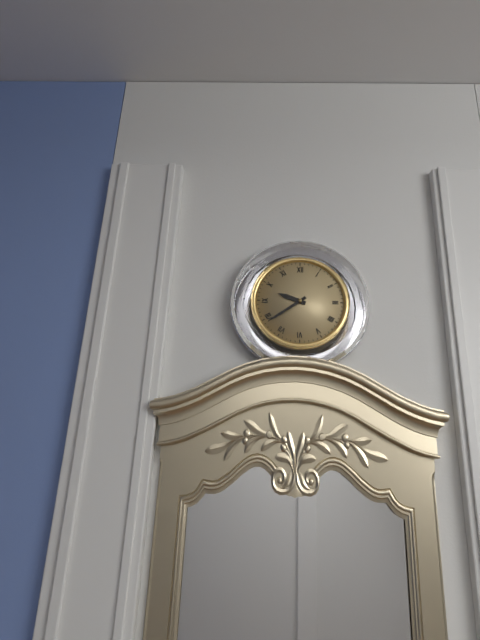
9:39
